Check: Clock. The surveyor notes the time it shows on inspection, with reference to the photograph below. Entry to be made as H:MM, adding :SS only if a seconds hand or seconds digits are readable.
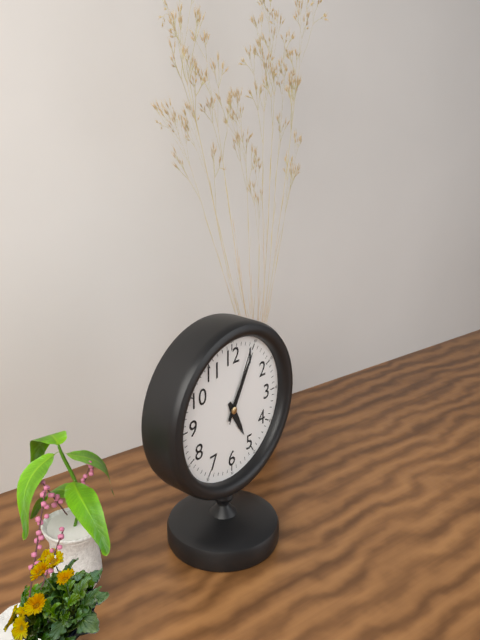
5:05:04
